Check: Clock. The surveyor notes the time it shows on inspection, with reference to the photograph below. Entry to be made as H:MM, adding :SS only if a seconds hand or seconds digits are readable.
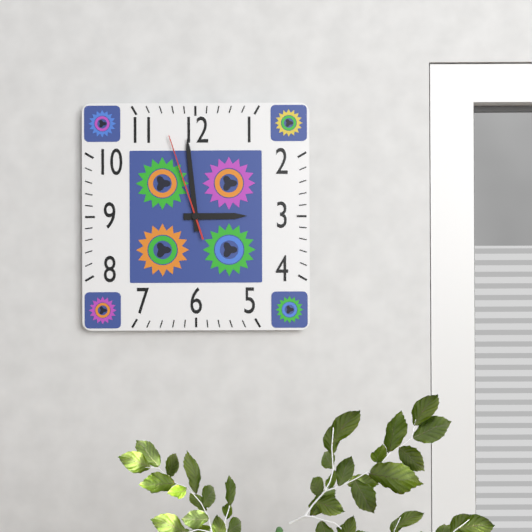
2:59:57
